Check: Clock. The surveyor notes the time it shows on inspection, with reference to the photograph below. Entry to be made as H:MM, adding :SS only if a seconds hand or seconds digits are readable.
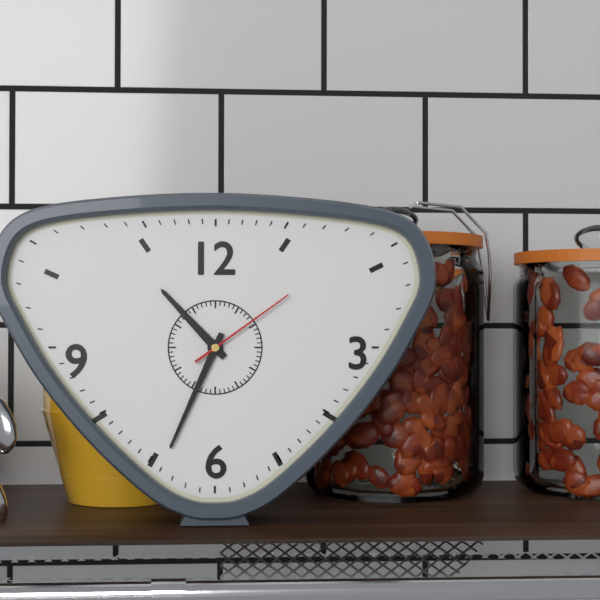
10:34:09
